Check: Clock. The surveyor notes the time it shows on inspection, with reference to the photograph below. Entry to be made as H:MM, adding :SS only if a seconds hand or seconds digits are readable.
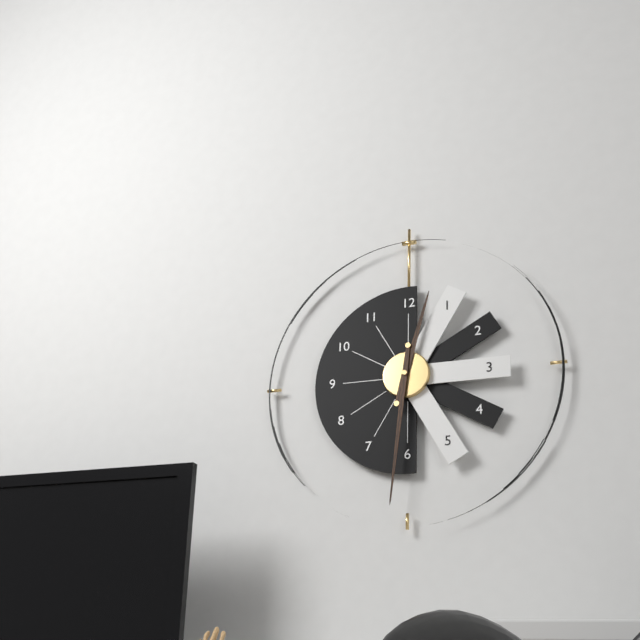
12:31
